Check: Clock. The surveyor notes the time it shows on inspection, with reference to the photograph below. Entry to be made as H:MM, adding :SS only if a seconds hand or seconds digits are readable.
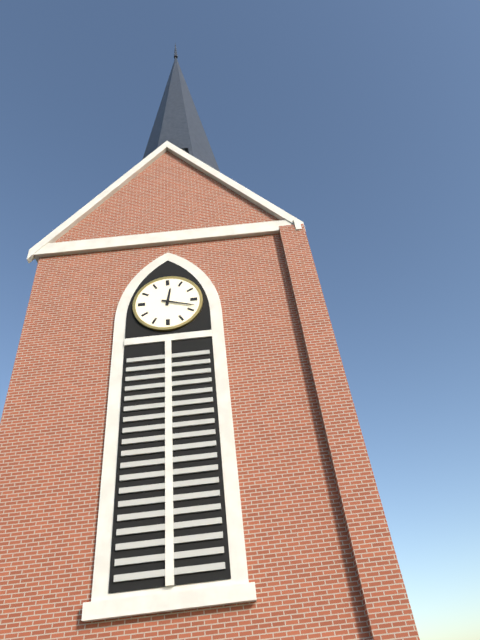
12:18
